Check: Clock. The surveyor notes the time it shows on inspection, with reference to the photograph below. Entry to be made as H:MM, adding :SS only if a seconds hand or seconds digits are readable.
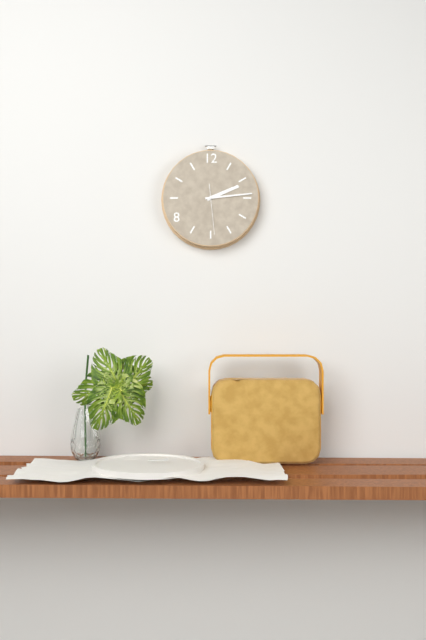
2:14
